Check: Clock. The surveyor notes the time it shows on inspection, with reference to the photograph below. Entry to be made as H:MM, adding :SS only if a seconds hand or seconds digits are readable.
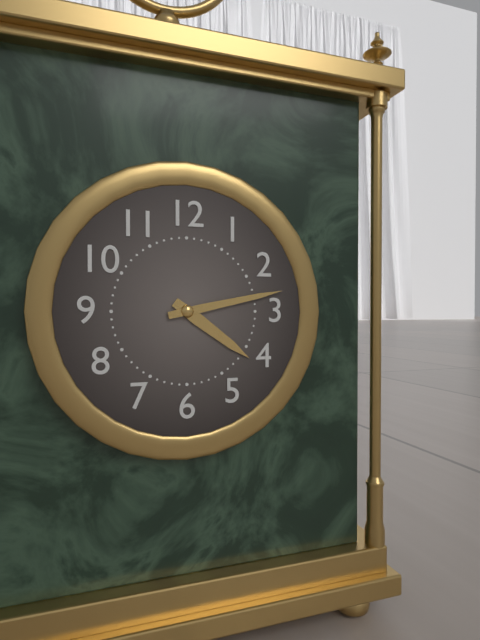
4:13
